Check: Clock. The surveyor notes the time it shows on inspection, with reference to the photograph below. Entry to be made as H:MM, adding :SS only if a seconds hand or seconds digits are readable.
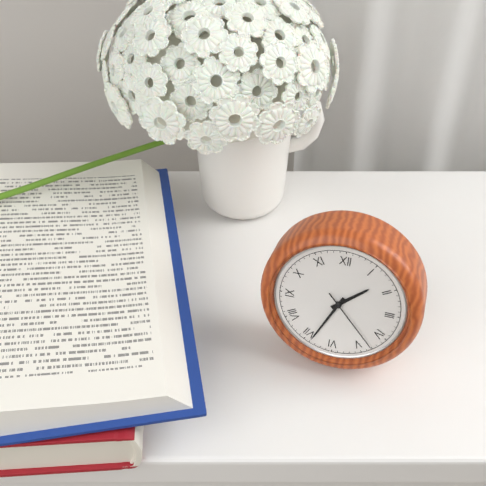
1:34:23
